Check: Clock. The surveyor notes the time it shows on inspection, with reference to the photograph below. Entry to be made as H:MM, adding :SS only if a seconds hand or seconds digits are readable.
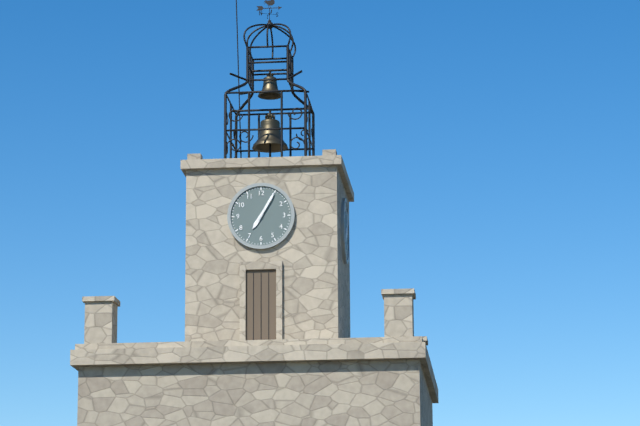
7:05
